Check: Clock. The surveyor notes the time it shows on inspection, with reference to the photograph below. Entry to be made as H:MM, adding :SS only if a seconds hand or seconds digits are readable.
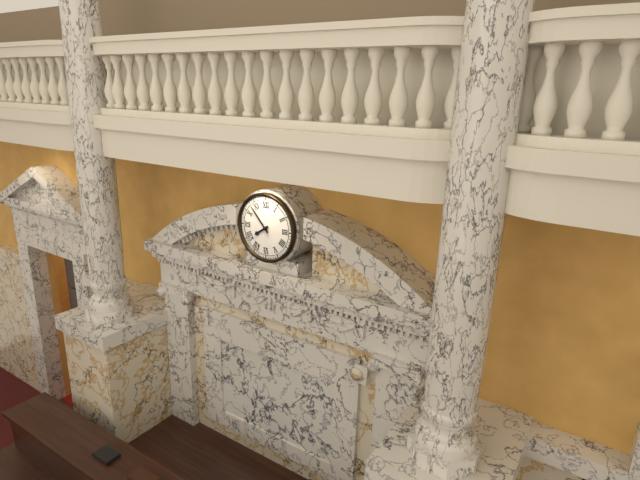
7:53
